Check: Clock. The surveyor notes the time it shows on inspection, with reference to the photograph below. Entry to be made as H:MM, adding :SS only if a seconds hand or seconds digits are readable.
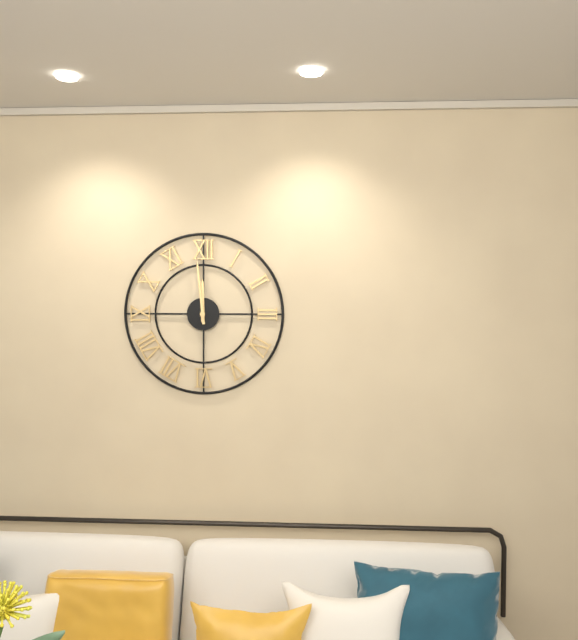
11:59
